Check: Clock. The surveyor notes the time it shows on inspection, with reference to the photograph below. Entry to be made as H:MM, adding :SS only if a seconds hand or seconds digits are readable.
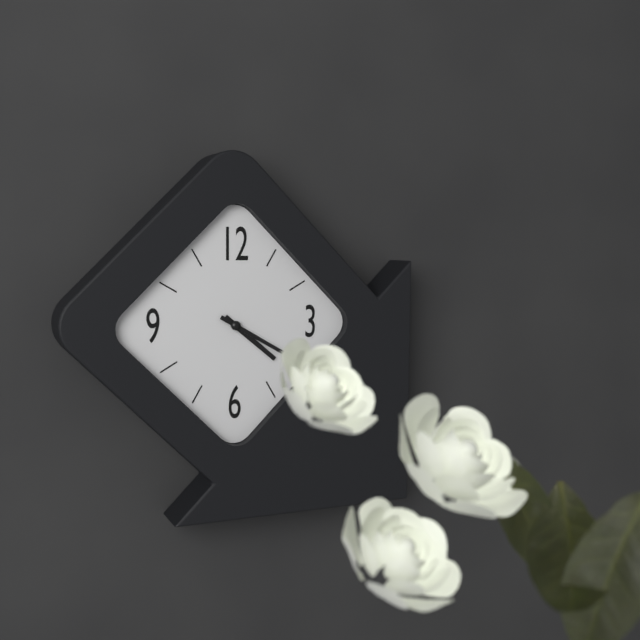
4:20
